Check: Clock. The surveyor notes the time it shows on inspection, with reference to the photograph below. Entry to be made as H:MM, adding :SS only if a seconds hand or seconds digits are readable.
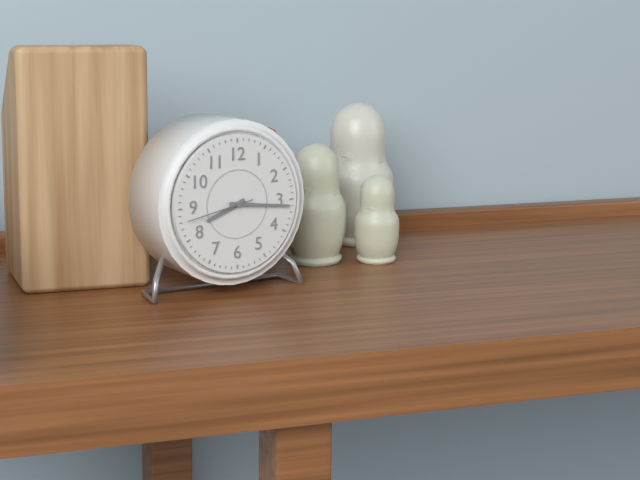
8:16:43
